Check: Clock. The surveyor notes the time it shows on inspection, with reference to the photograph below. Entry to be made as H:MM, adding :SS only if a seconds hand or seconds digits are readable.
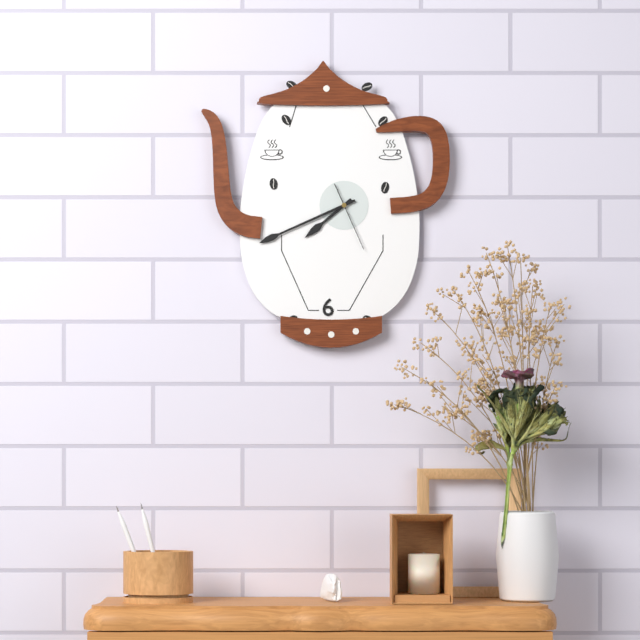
7:41:26
